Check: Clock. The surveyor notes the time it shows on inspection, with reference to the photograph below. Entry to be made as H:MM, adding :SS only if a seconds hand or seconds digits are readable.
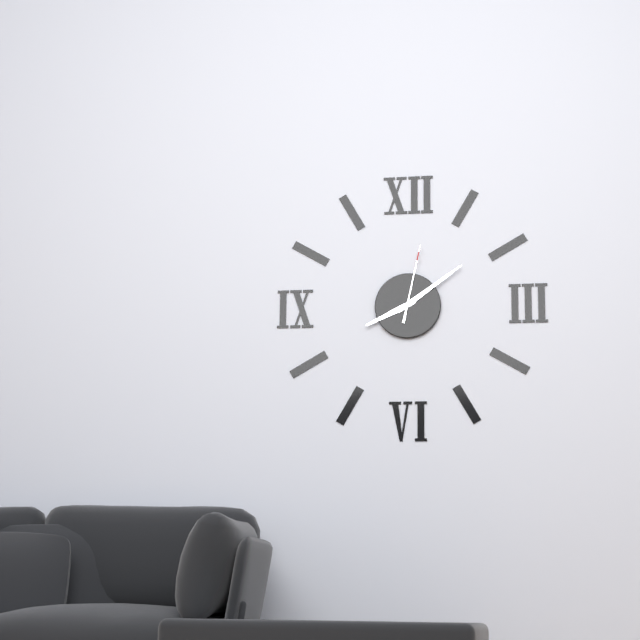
8:09:02
